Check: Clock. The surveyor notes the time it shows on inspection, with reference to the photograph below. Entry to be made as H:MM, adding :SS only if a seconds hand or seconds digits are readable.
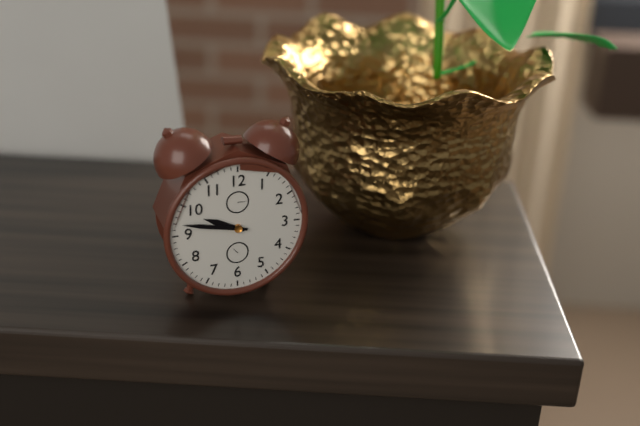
9:47
